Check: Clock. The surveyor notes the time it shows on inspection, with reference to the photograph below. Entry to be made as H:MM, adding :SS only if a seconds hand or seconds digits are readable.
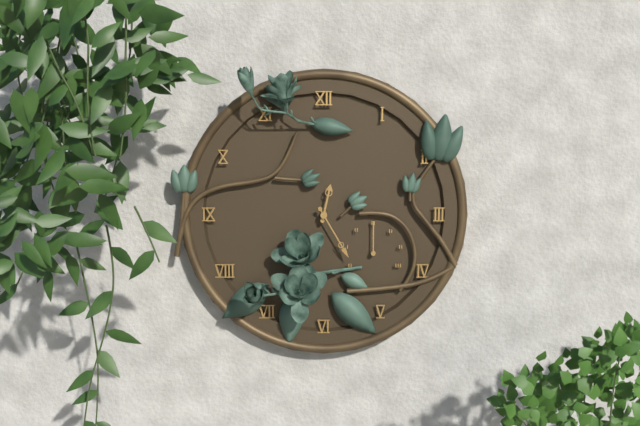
12:25
